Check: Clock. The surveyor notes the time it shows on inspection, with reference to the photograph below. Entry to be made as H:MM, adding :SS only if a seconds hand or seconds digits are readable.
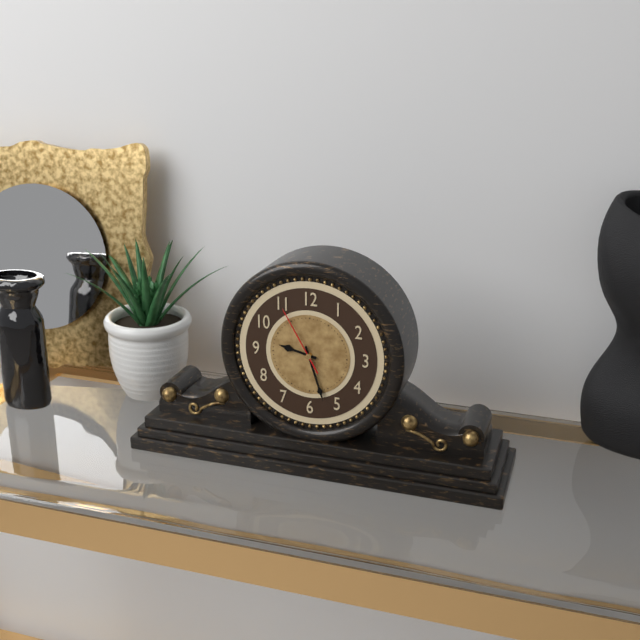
9:27:55
